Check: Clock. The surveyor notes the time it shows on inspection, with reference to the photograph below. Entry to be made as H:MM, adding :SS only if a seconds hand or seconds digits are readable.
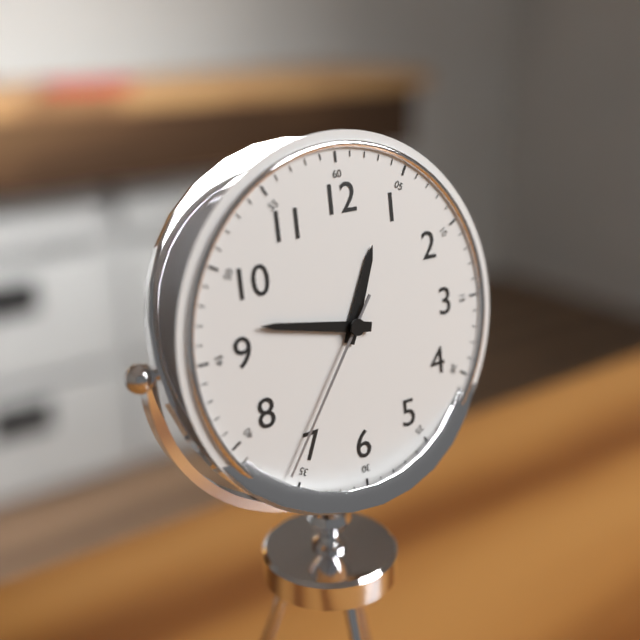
12:47:36
